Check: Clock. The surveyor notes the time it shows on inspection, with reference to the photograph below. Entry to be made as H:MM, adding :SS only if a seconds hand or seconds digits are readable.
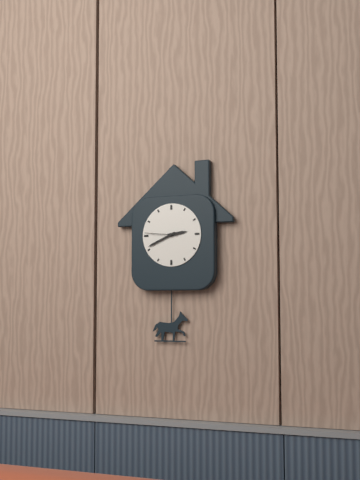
2:41
